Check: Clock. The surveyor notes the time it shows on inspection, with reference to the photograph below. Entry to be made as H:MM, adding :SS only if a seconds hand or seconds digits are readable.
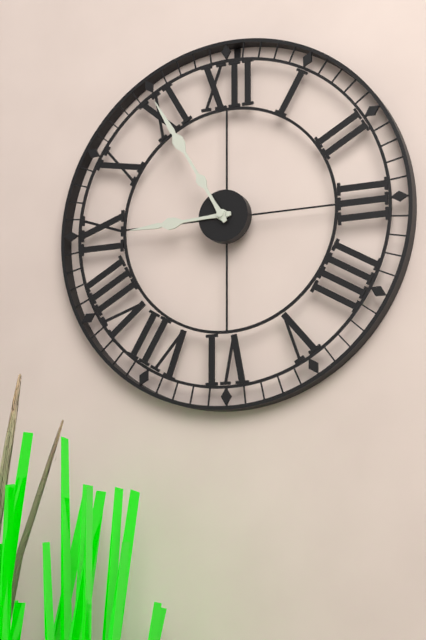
8:55
